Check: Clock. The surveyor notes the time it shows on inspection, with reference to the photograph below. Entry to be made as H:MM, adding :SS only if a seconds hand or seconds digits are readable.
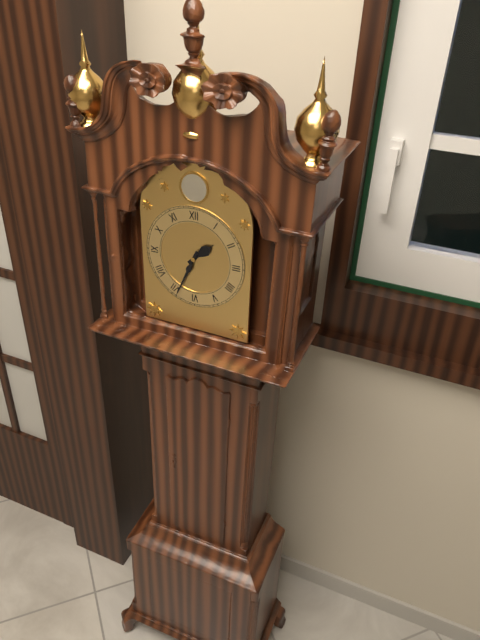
1:34
